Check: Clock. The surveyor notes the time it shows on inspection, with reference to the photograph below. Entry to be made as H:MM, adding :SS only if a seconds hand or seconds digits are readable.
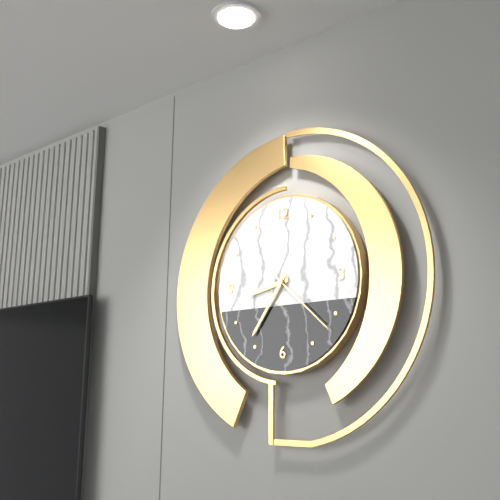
8:36:22
